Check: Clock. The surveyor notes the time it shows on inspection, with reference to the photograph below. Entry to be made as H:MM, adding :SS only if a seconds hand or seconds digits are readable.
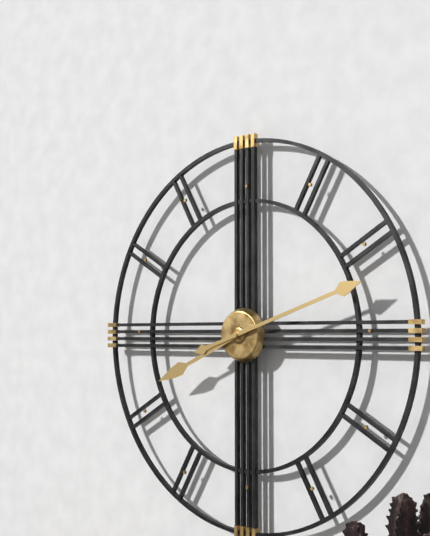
8:12
